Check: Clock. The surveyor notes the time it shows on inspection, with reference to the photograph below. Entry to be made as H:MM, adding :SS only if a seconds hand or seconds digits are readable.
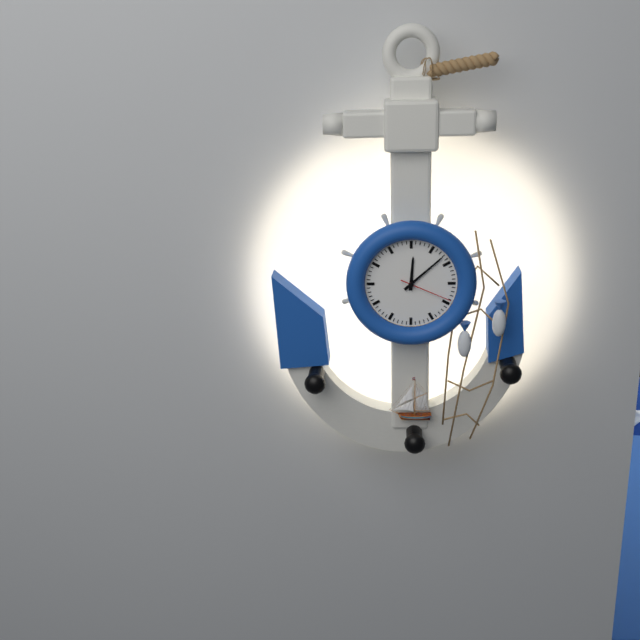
12:08:19
